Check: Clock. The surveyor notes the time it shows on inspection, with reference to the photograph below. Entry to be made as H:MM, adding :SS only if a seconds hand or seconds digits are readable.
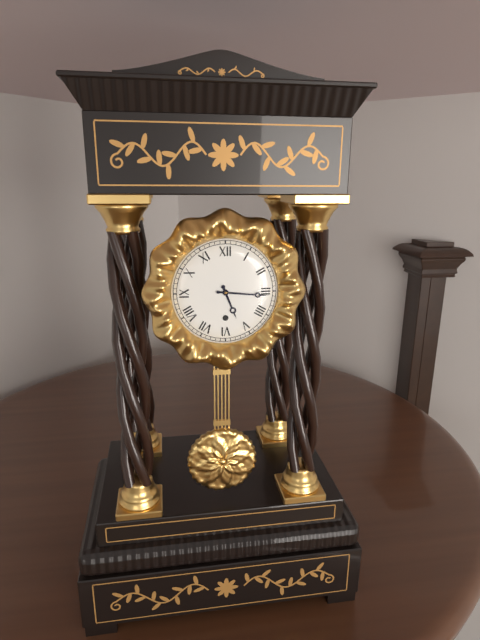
5:16
